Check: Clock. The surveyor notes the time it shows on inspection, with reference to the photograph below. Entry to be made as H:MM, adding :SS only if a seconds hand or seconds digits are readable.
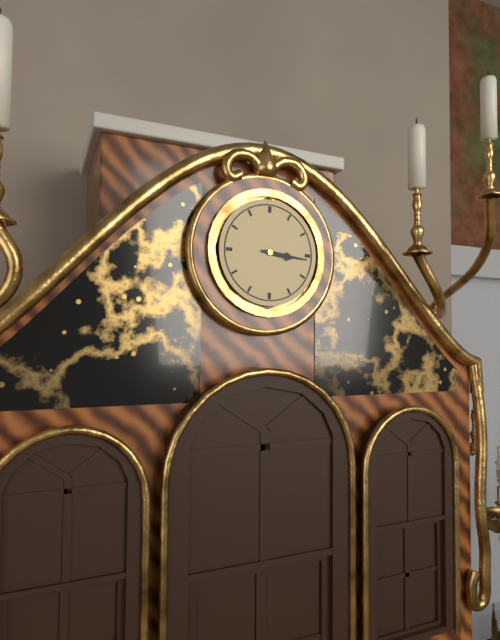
3:16
